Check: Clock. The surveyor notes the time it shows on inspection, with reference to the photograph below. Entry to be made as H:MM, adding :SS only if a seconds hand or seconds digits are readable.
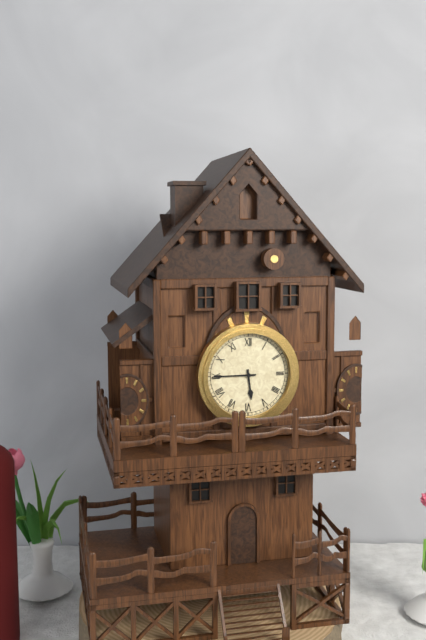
5:45
